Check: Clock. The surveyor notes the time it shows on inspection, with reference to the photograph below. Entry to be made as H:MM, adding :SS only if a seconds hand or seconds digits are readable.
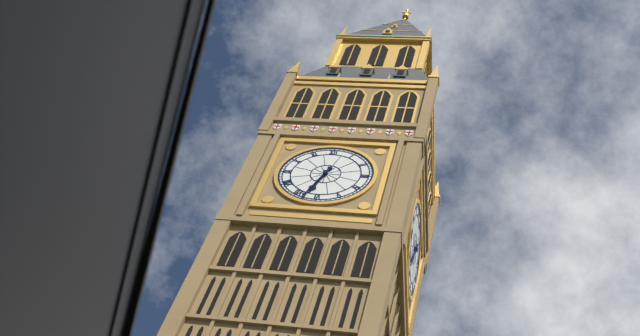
6:33
